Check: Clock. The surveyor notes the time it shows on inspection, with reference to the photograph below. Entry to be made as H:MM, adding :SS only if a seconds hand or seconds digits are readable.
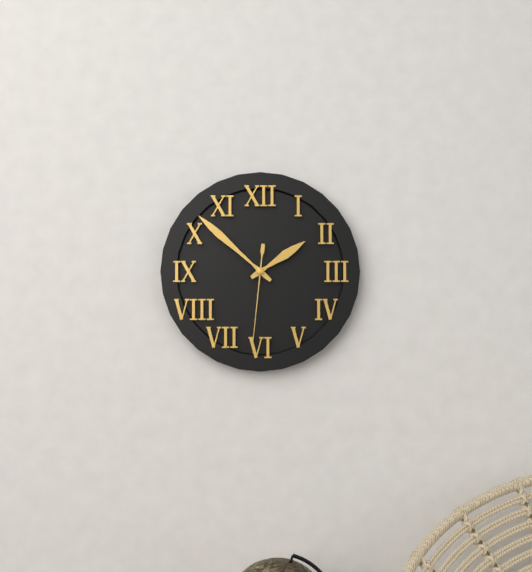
1:52:31
